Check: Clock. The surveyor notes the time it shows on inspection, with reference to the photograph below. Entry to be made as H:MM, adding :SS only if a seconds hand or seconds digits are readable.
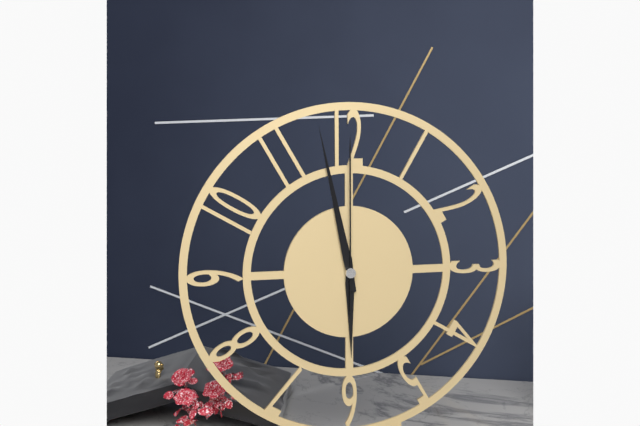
5:58:00
